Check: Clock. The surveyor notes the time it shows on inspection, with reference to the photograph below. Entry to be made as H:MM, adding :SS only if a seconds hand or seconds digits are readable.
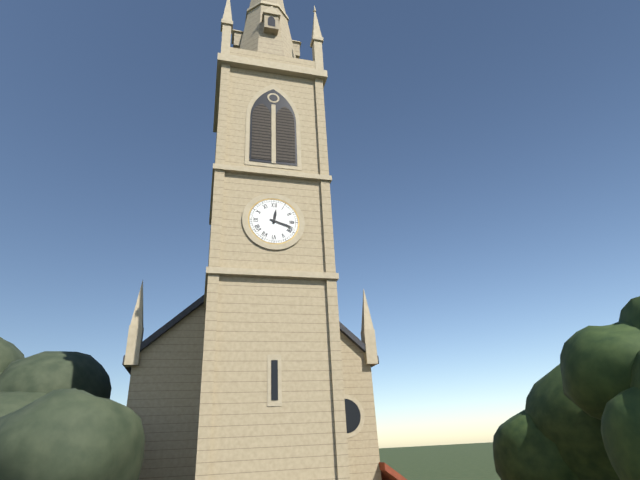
12:18
